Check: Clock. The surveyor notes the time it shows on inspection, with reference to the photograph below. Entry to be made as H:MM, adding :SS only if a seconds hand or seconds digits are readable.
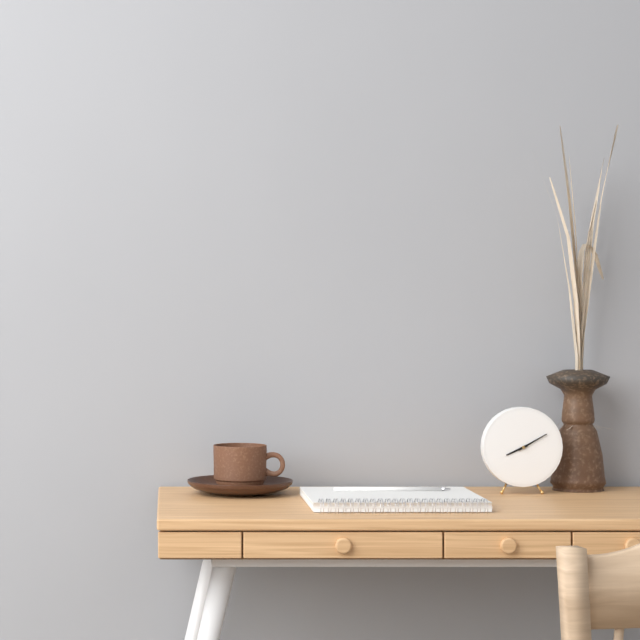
8:10
